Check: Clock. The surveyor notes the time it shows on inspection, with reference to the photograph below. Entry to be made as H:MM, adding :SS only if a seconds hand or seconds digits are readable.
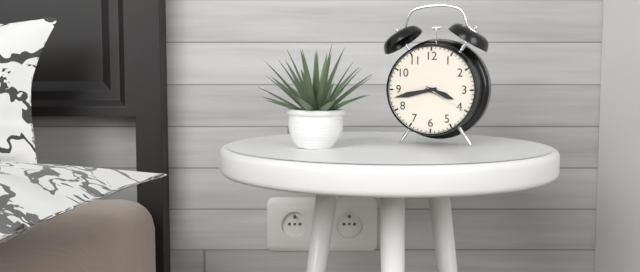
3:43
